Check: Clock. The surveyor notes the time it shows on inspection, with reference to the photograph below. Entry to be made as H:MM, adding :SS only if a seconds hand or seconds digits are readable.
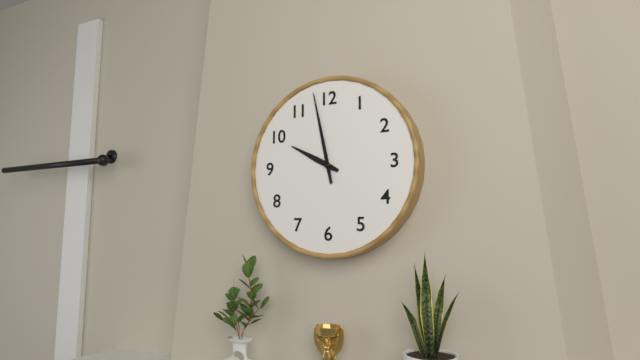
9:58
